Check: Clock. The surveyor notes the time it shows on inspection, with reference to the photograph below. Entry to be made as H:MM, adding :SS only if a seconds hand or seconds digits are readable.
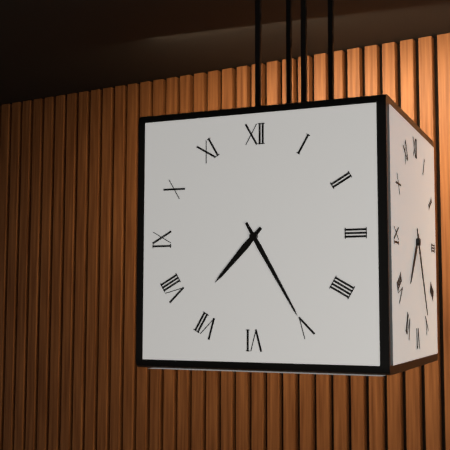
7:25
